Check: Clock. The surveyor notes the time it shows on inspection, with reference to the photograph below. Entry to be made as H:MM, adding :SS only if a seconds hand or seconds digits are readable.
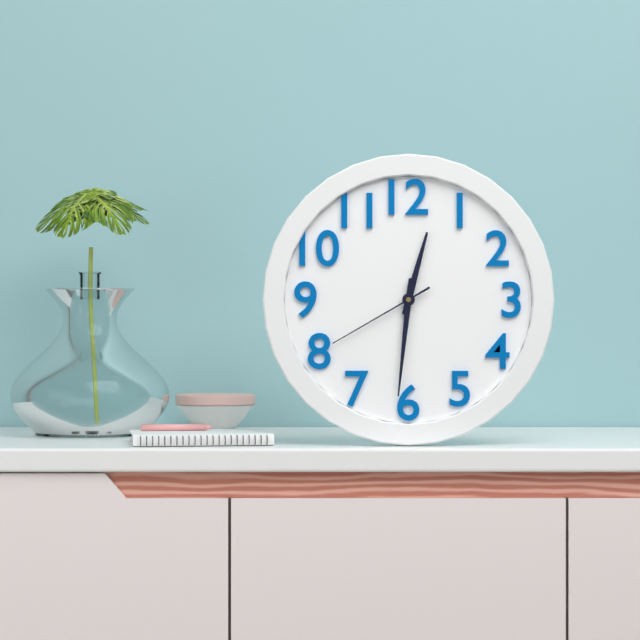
12:31:40
